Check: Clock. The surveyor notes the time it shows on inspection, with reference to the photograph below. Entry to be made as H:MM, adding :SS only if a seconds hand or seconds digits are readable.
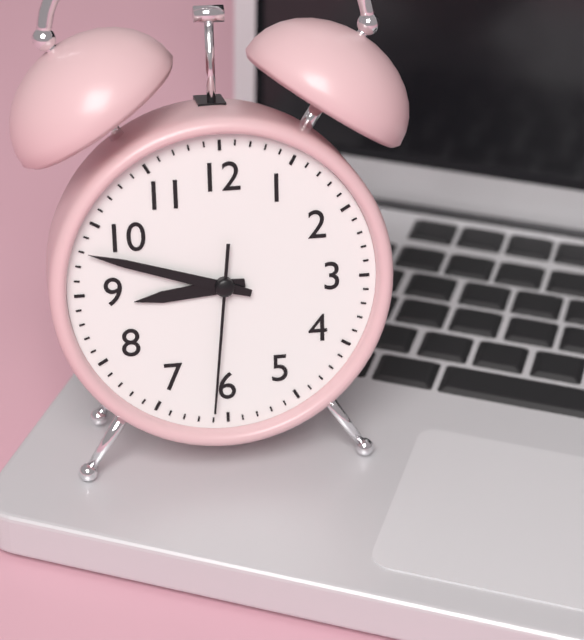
8:48:31
